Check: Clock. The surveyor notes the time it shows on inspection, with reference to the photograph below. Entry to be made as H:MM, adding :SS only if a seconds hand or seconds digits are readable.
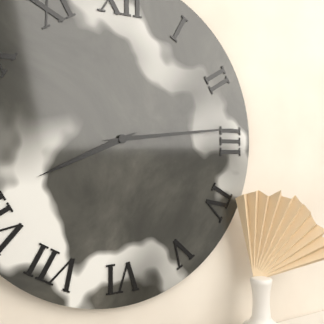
8:14
